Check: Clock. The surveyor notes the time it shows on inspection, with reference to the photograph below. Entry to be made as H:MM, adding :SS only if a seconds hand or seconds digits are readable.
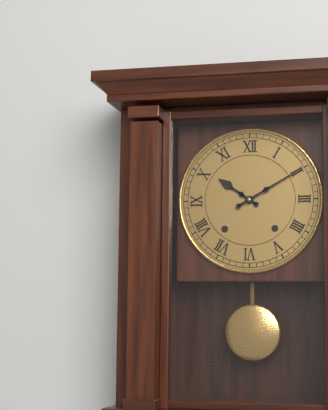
10:10
